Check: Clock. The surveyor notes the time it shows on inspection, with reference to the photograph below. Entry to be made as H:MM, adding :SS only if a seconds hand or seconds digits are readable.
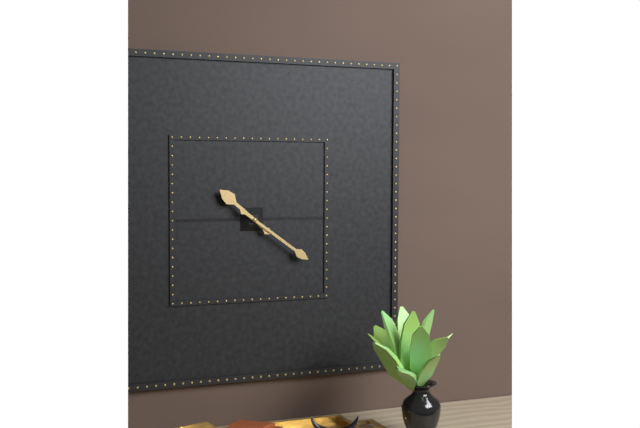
10:21
